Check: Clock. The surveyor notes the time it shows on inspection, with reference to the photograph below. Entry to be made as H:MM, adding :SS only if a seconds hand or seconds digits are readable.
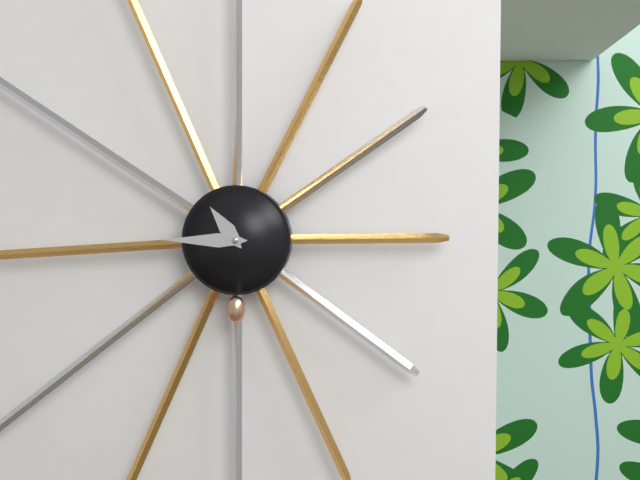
10:45
